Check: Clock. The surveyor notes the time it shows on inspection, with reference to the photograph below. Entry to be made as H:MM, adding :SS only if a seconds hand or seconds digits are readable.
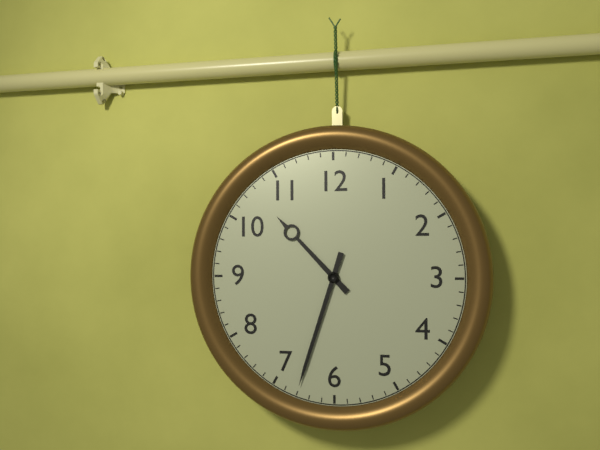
10:33
